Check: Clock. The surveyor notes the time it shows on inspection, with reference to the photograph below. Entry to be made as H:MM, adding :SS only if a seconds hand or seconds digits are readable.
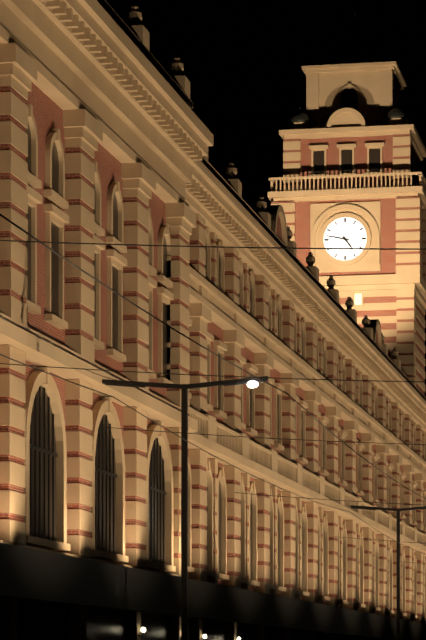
4:47
